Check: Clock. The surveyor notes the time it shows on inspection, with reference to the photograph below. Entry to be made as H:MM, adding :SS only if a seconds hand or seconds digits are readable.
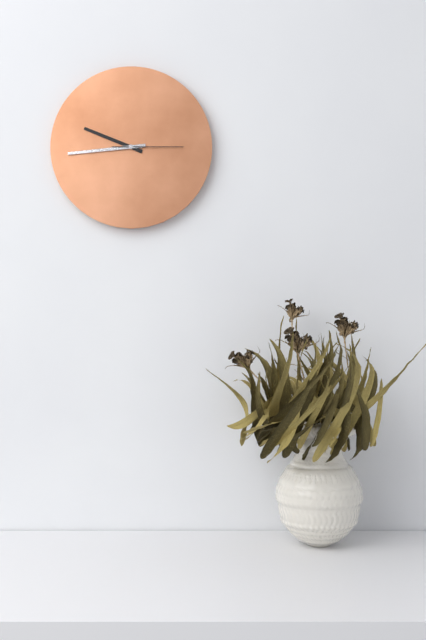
9:44:15
